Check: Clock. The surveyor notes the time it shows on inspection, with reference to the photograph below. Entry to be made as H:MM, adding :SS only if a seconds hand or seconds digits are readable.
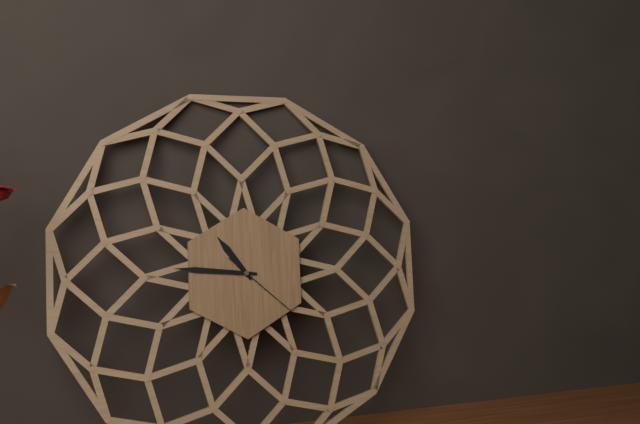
10:46:22
